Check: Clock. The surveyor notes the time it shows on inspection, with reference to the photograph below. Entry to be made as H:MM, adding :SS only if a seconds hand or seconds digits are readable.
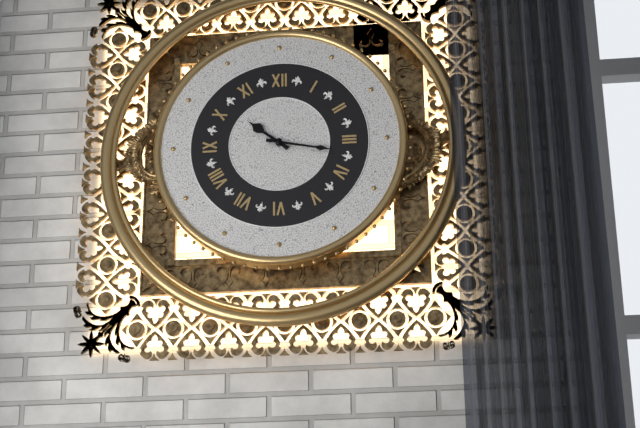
10:17
